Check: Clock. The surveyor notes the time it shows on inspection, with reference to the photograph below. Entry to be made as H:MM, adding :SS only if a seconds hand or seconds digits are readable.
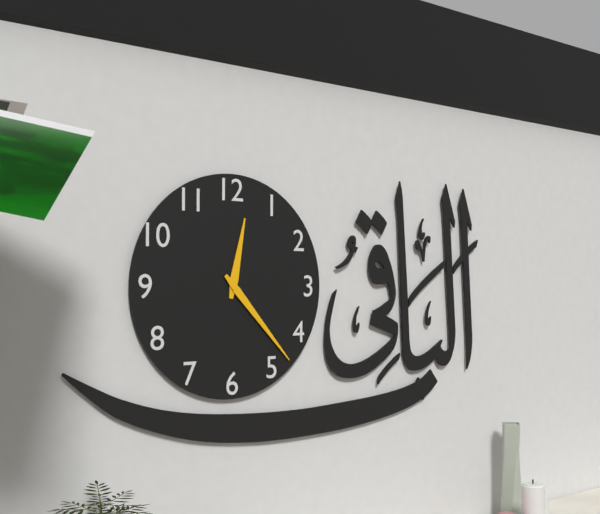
12:23
